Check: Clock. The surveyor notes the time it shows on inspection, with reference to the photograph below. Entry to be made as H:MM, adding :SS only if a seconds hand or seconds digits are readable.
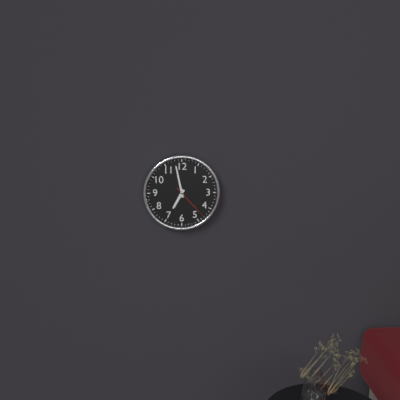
6:58
